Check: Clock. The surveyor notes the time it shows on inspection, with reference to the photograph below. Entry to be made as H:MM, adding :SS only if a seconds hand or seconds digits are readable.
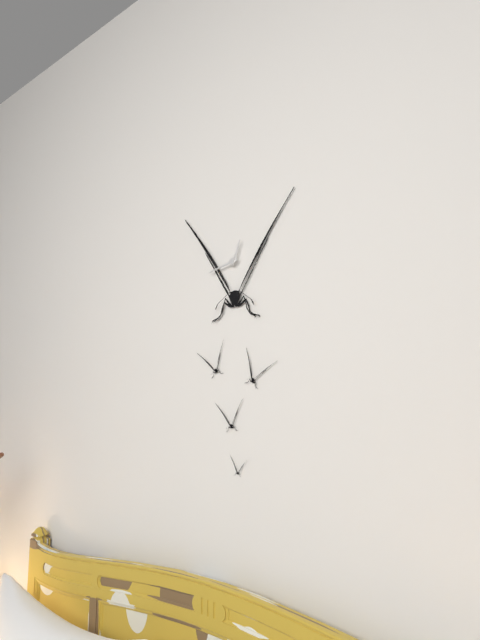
12:43
